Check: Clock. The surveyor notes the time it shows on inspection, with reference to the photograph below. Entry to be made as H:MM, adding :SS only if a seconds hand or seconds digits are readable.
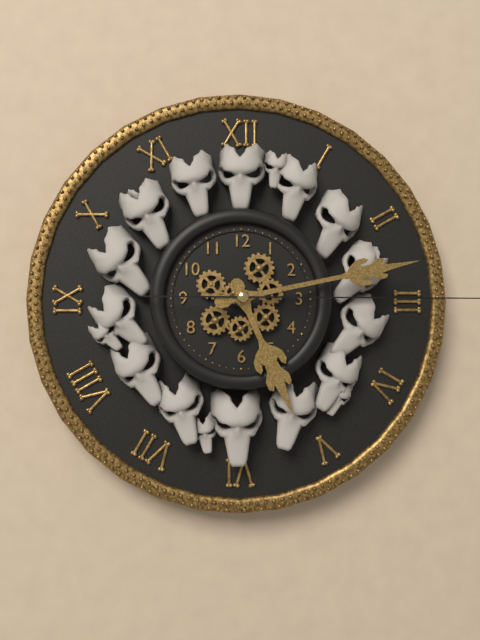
5:13
